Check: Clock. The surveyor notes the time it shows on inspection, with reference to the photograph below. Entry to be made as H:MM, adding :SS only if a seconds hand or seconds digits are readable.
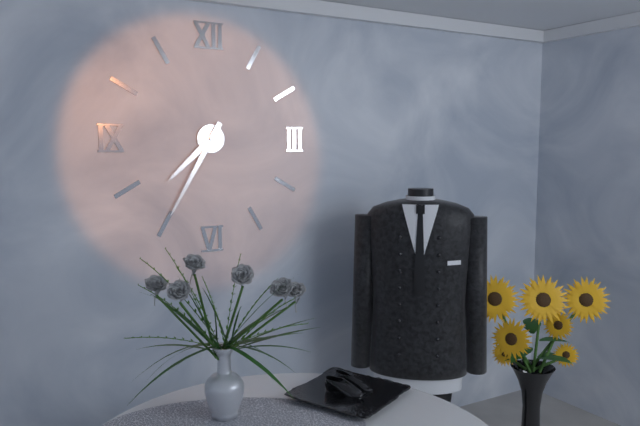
7:35
